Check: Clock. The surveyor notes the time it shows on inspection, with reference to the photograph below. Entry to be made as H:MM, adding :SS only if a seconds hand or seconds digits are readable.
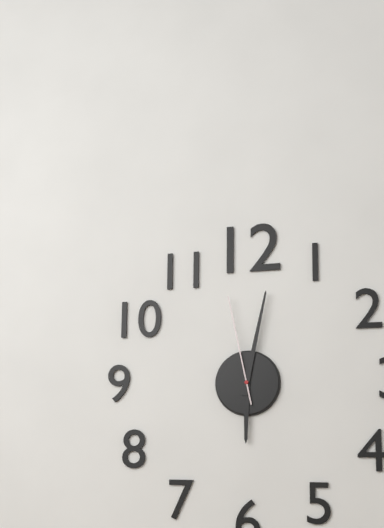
6:02:58
